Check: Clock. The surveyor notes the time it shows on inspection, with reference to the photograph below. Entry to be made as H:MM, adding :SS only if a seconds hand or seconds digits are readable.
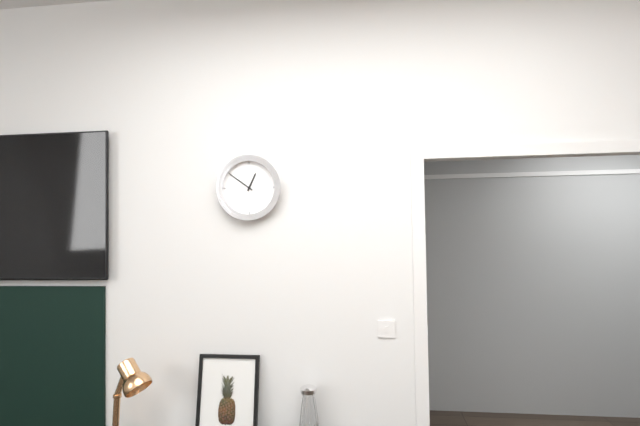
12:51
